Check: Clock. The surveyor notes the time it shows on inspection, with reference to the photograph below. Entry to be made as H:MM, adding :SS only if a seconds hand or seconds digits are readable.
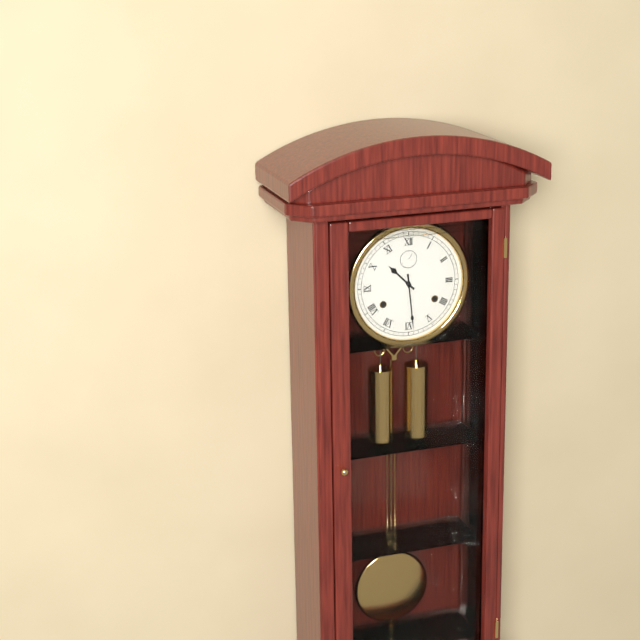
10:29
